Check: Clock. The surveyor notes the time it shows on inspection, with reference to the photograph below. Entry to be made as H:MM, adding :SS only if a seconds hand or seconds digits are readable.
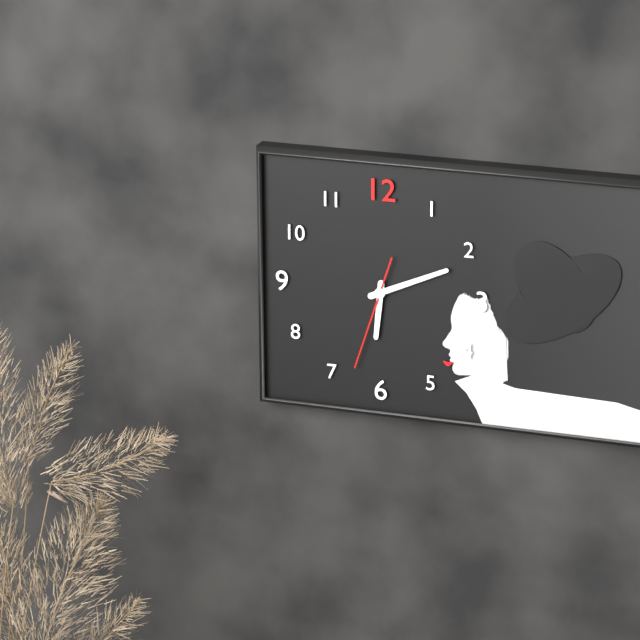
6:11:33
